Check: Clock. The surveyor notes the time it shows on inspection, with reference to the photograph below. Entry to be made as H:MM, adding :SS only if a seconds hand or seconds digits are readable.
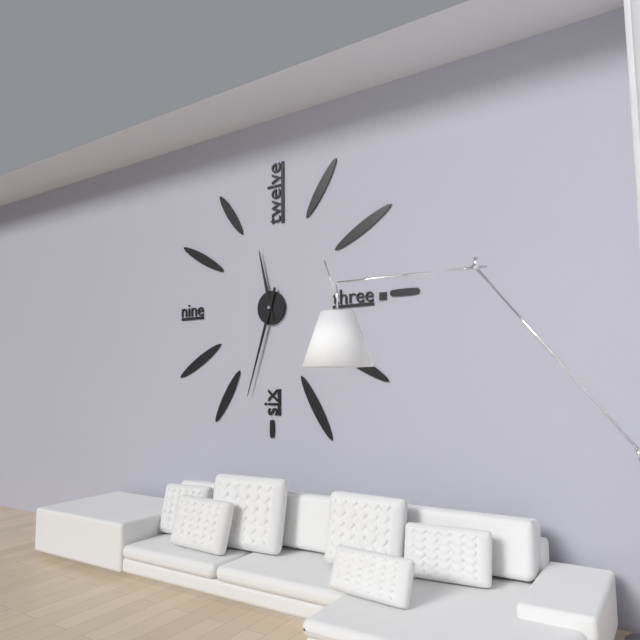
11:33
